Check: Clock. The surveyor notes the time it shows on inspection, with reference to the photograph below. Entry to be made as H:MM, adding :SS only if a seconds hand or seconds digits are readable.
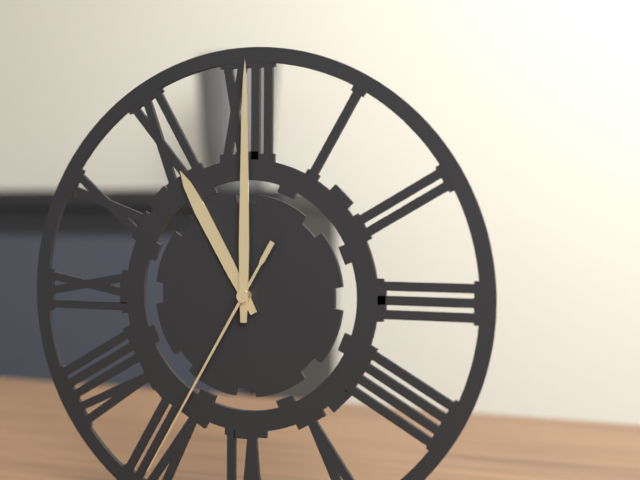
11:00:35
